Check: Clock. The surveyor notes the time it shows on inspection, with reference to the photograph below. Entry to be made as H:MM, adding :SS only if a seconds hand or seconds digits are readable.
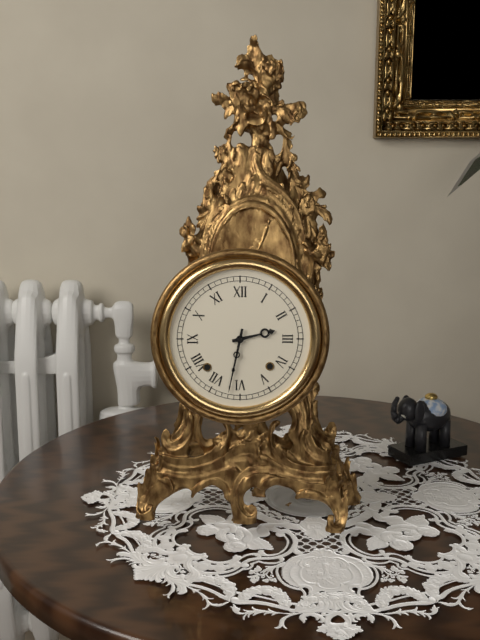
2:32
